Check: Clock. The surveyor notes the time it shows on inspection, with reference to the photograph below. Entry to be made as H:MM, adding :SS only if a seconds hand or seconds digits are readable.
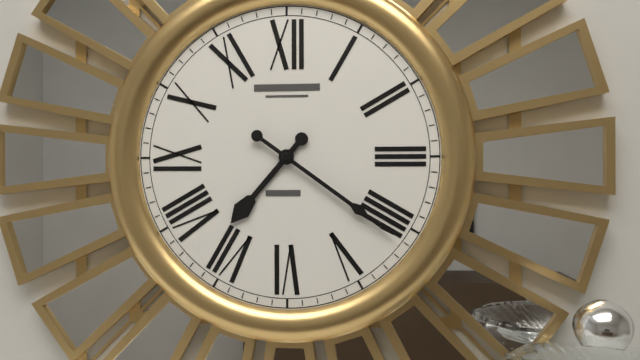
7:21
